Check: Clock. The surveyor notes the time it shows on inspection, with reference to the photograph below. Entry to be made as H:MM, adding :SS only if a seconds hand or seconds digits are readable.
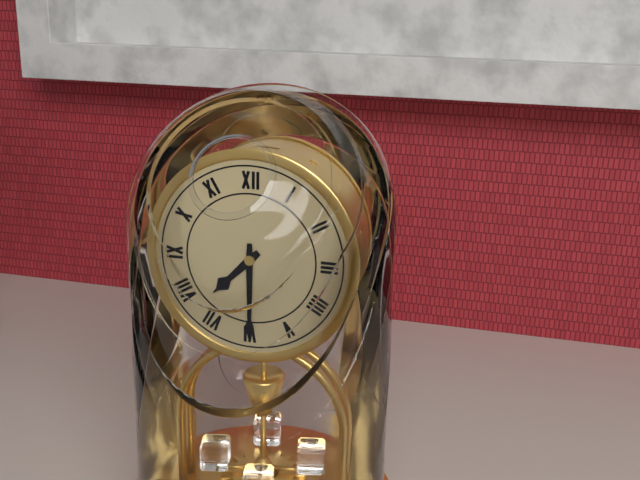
7:30
